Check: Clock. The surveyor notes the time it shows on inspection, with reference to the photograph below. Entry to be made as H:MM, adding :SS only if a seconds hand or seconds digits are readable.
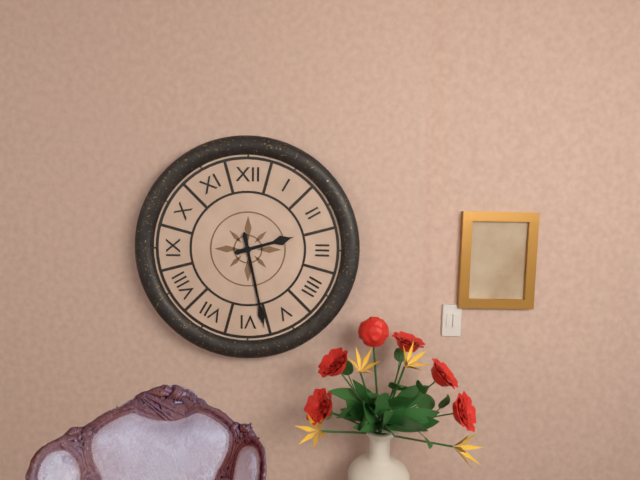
2:28
